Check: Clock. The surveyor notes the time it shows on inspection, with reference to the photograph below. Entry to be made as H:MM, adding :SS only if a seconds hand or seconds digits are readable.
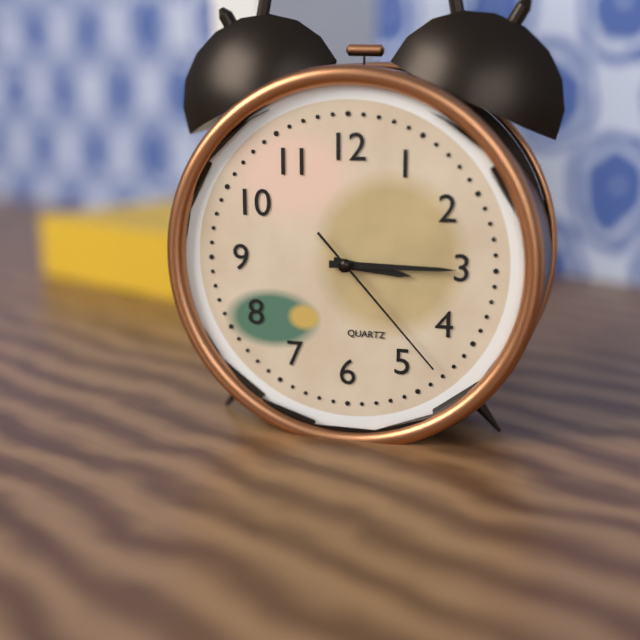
3:15:23
